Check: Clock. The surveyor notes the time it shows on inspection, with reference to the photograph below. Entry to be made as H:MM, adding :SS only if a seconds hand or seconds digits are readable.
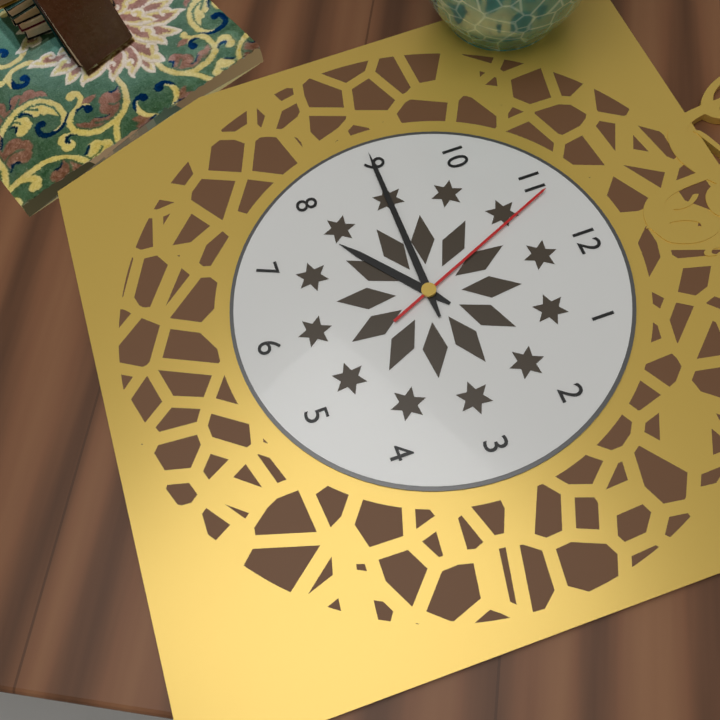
7:45:56
